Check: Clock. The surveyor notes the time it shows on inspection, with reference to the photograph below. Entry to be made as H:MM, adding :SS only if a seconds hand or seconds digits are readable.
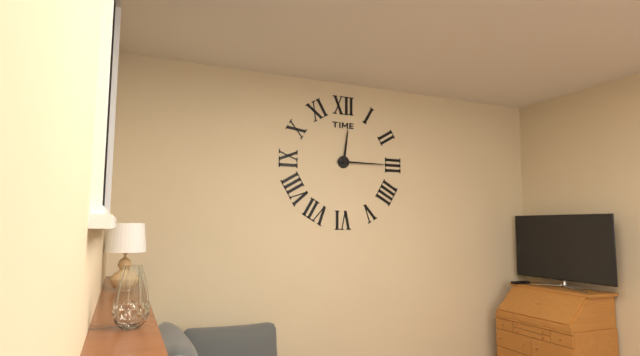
12:15
